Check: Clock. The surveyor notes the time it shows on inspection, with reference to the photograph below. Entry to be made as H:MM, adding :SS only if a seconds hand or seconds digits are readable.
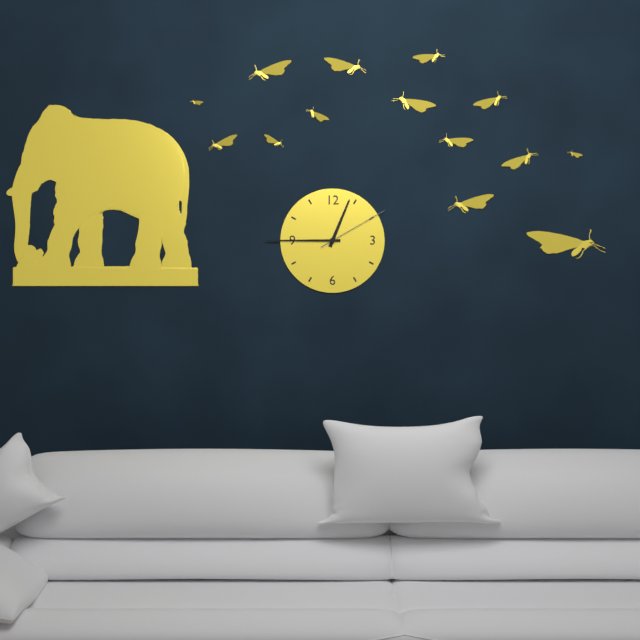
12:45:10
